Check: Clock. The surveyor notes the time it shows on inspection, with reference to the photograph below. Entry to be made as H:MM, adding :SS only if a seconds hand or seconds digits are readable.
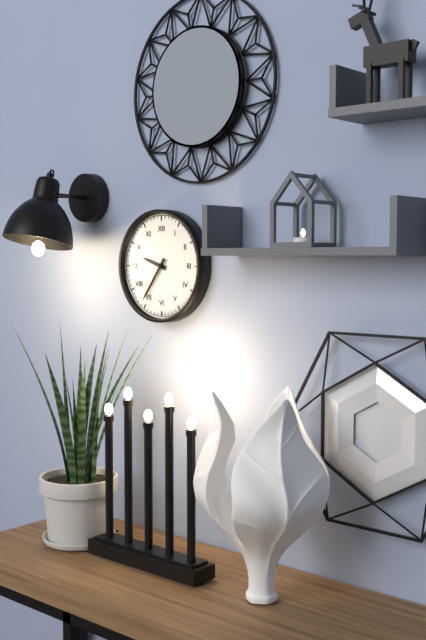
9:36
